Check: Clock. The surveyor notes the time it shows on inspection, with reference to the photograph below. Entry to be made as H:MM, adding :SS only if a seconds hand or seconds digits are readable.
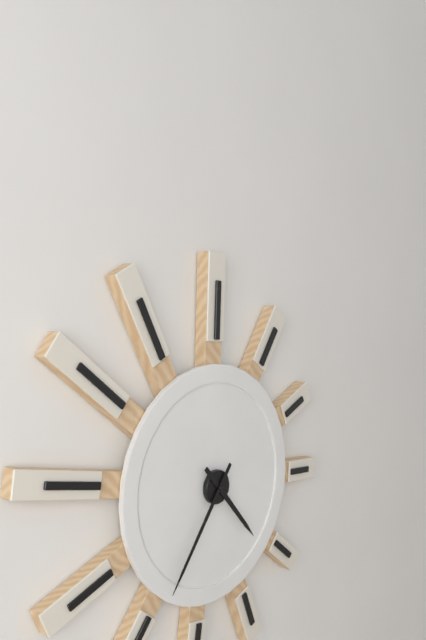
4:36
